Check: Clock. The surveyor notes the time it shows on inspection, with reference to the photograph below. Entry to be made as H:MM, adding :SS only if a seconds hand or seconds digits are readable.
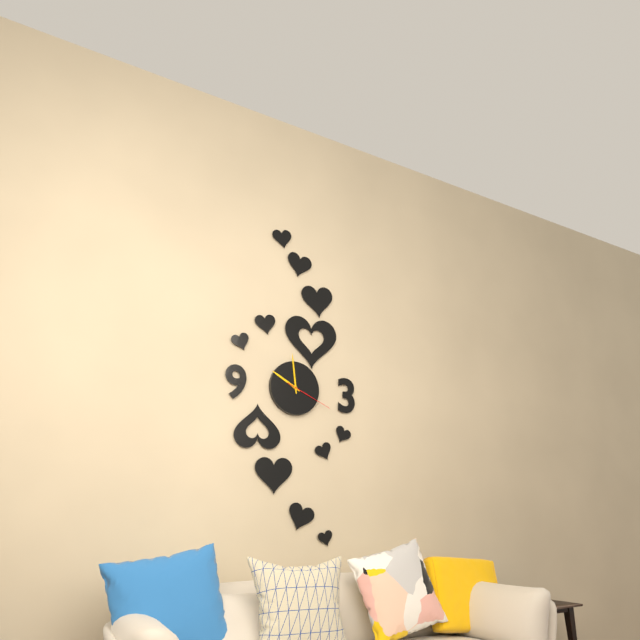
9:59:19
